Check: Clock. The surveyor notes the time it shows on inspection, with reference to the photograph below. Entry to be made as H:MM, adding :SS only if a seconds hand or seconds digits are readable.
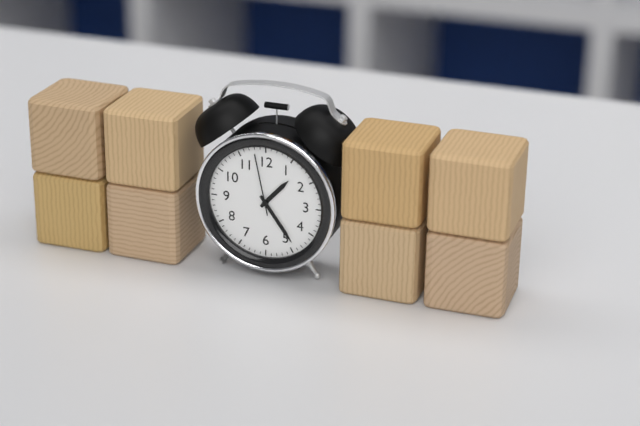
1:24:58
